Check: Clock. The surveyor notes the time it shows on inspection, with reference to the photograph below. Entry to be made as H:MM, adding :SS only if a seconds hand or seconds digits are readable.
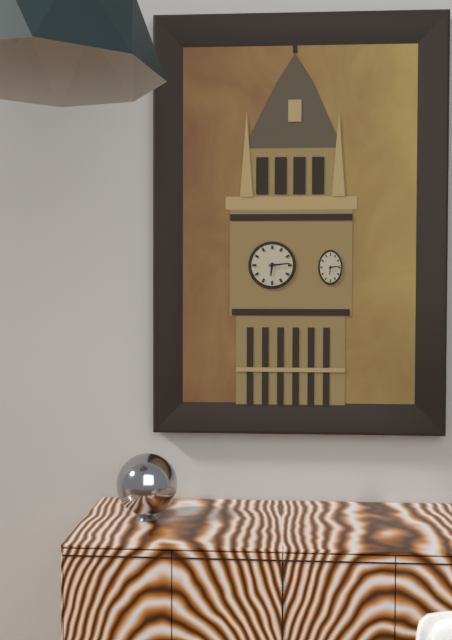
6:14
